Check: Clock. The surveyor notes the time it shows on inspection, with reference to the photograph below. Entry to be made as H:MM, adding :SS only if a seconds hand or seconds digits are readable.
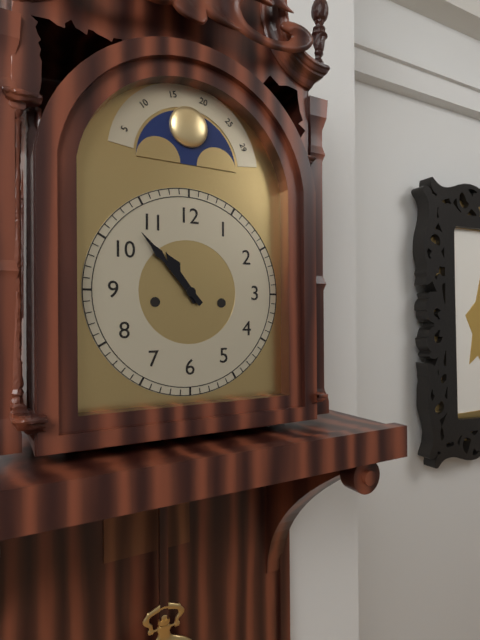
10:53
